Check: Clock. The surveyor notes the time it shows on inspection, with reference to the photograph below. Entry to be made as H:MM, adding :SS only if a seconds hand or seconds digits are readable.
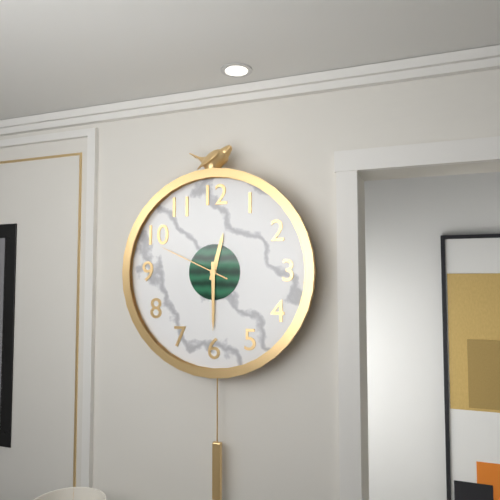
12:30:49
